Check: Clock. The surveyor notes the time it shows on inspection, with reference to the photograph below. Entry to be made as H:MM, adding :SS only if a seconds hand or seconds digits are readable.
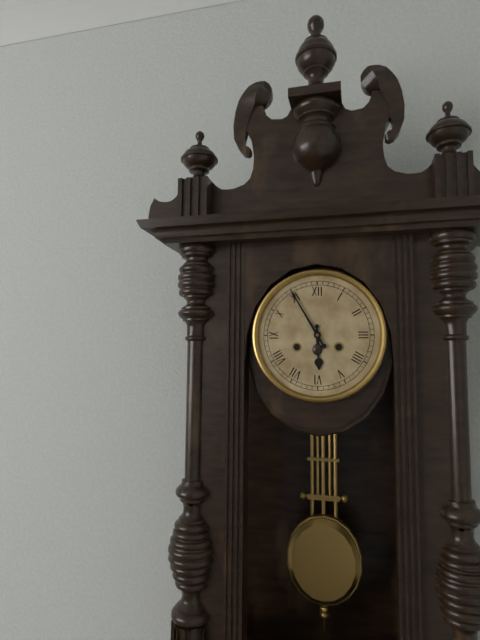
5:55
